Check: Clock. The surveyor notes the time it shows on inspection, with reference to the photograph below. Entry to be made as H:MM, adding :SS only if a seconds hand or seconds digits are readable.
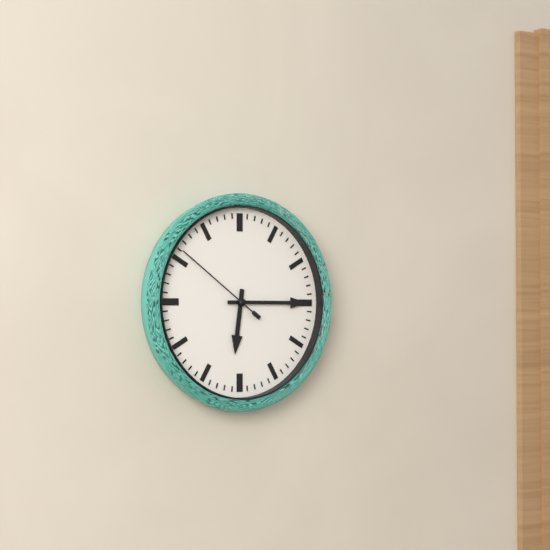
6:15:51
